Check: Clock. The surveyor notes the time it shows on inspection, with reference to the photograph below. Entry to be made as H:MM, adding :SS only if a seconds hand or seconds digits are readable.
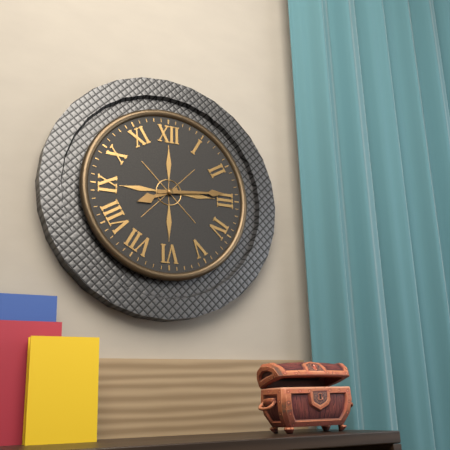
8:14
